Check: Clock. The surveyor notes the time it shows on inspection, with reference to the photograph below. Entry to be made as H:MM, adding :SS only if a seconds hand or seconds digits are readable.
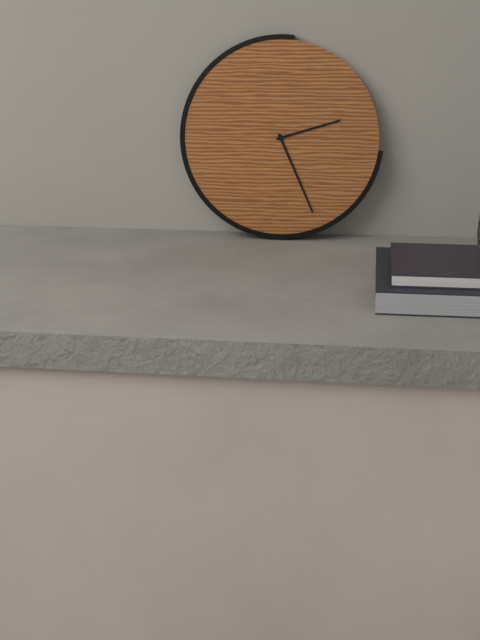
2:26
